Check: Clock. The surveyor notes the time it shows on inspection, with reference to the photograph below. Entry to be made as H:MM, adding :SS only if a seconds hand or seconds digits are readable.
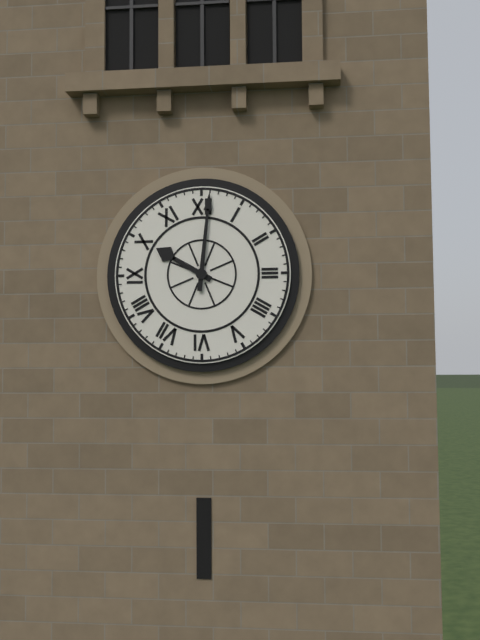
10:01
